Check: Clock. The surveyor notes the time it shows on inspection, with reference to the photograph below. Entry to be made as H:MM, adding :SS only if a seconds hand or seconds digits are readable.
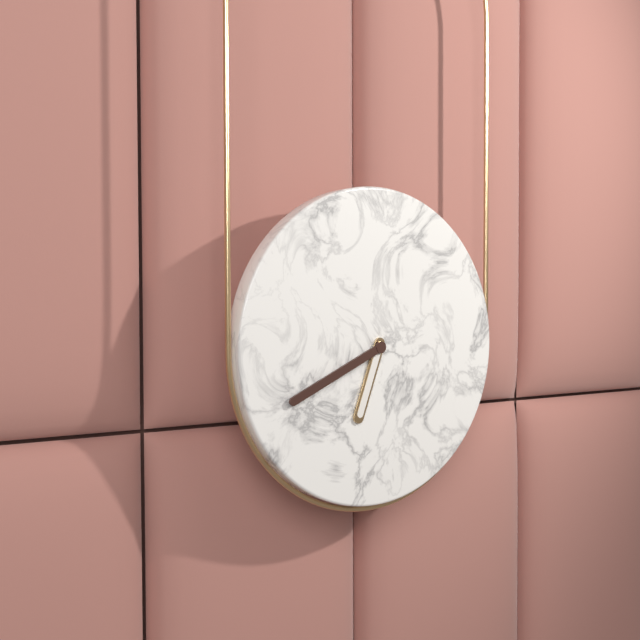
6:41
